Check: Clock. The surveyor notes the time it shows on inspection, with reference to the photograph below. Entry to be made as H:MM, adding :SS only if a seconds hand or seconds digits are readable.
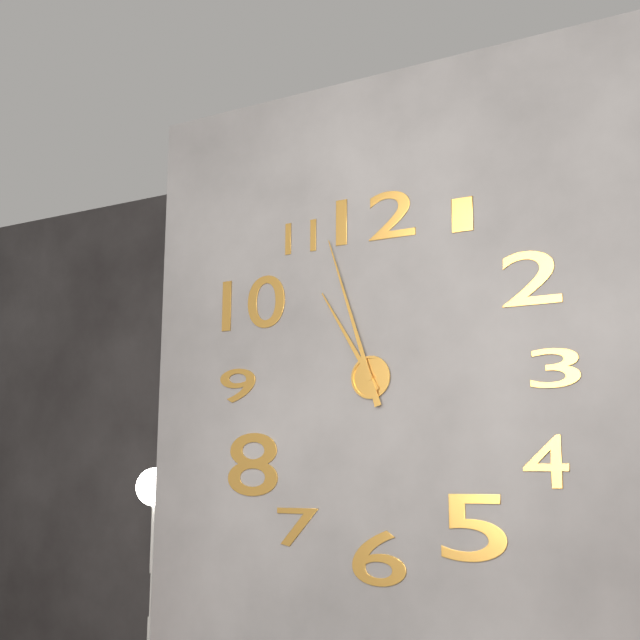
10:57
